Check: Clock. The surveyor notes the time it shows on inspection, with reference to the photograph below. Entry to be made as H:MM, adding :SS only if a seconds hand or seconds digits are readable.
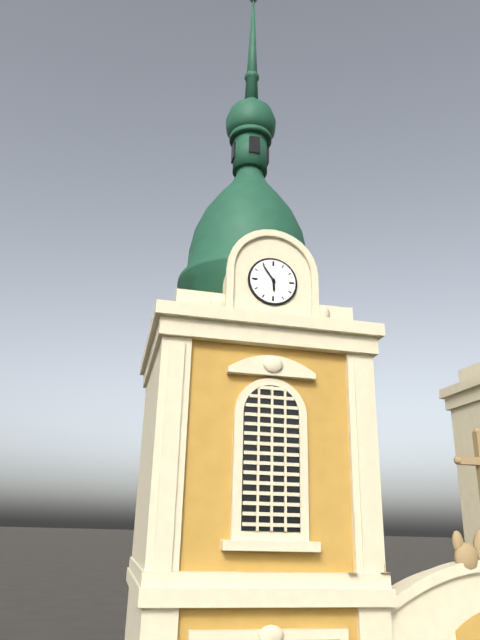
5:54
